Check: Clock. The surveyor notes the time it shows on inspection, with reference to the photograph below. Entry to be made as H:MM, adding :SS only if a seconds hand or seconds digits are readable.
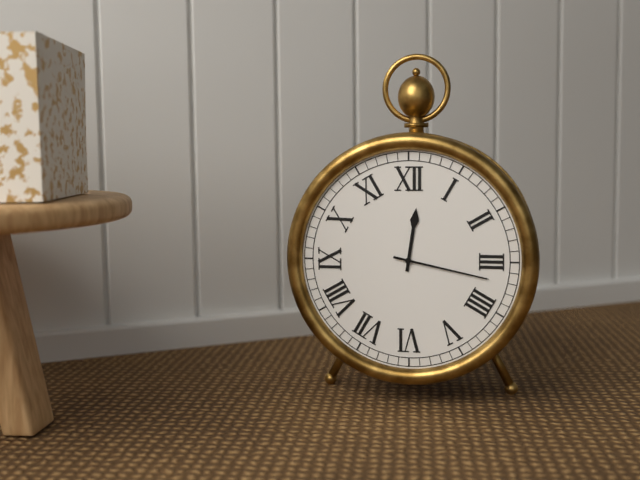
12:17
